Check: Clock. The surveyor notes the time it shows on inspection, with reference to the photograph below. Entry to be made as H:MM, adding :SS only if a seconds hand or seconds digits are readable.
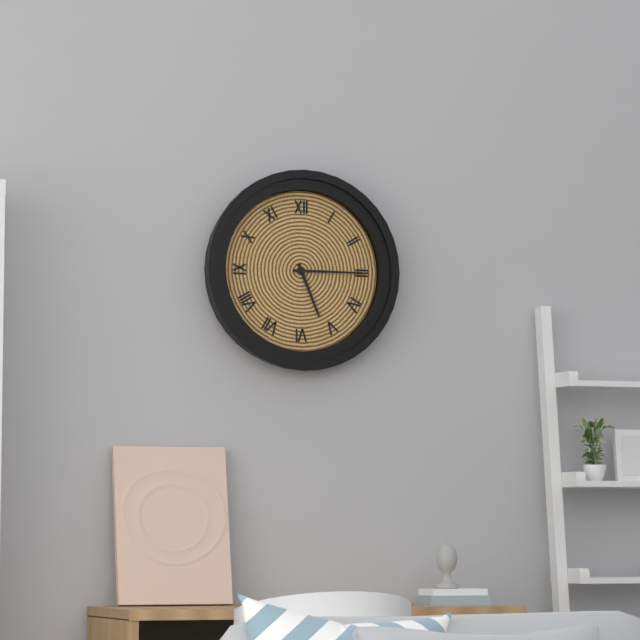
5:15
